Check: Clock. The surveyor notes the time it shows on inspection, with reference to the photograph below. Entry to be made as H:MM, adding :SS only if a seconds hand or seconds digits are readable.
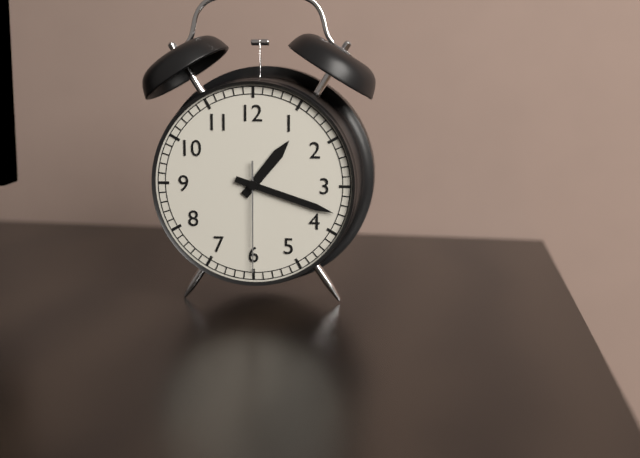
1:18:30
